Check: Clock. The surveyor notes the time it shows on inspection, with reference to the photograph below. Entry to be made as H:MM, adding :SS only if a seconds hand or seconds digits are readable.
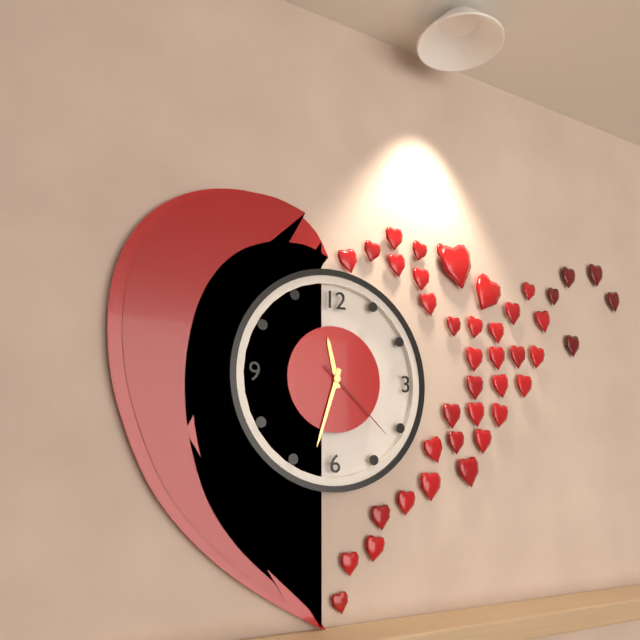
11:33:22
